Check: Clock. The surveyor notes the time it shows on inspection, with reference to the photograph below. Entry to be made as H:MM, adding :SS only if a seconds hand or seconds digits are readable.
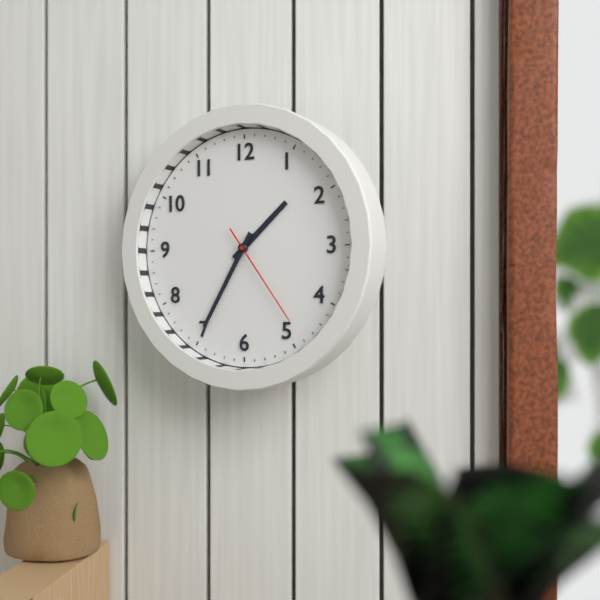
1:35:24
